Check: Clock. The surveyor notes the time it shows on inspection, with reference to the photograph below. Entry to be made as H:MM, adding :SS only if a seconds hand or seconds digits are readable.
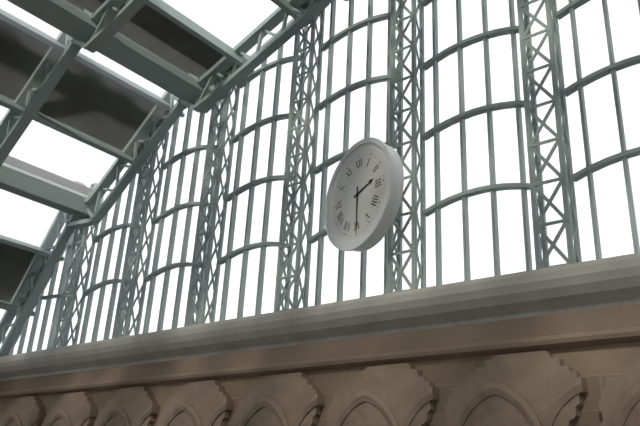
2:30
